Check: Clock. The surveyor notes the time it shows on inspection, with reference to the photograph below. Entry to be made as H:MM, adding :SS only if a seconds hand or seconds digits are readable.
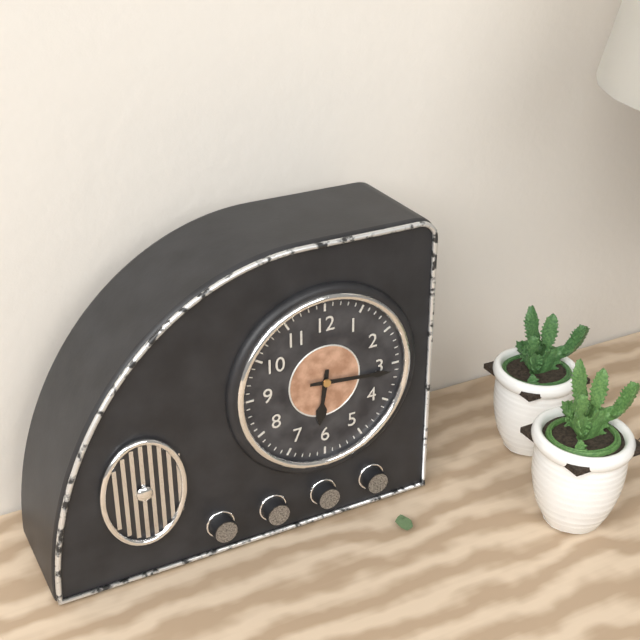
6:16
